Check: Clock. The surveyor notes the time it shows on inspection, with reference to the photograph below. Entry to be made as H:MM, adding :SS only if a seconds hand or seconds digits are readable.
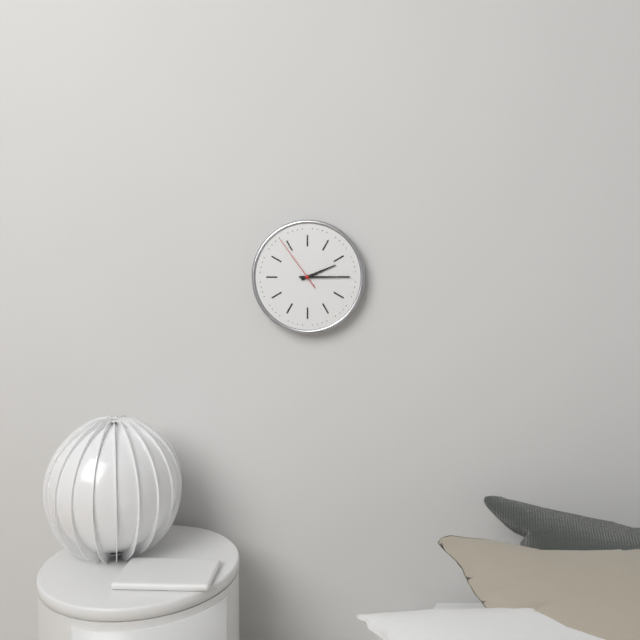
2:15:54
